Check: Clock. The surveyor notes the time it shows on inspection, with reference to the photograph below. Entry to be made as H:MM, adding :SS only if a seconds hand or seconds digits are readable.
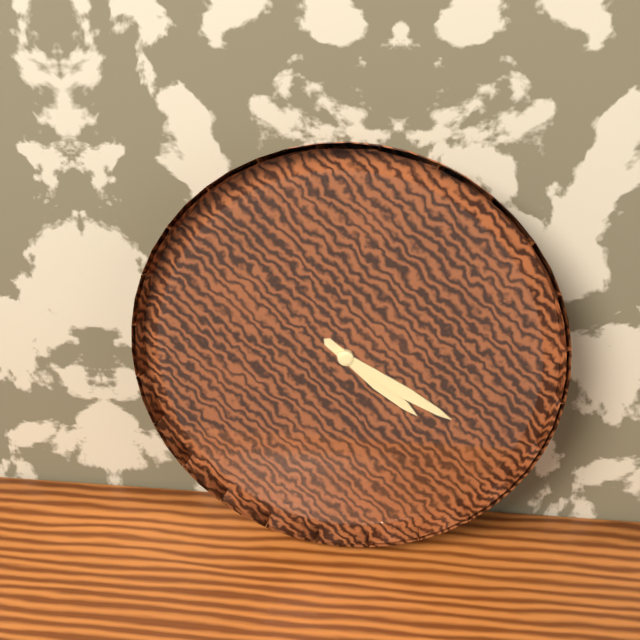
4:20
